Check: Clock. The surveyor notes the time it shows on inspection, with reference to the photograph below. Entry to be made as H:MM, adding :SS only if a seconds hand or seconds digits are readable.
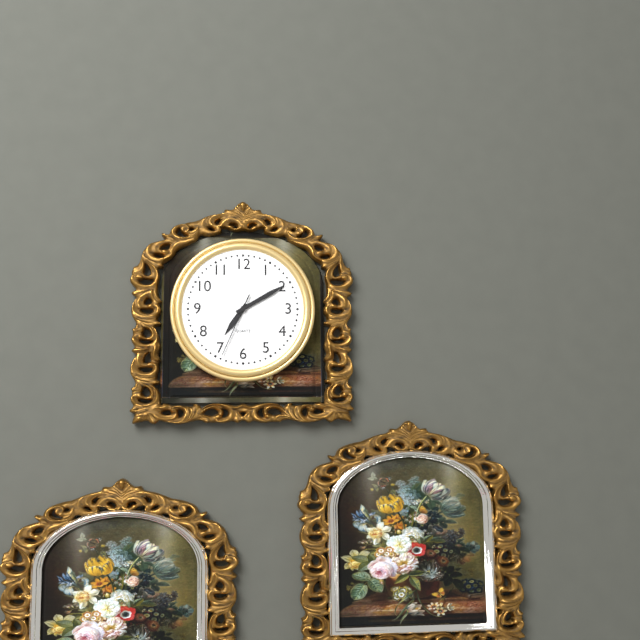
7:10:34
